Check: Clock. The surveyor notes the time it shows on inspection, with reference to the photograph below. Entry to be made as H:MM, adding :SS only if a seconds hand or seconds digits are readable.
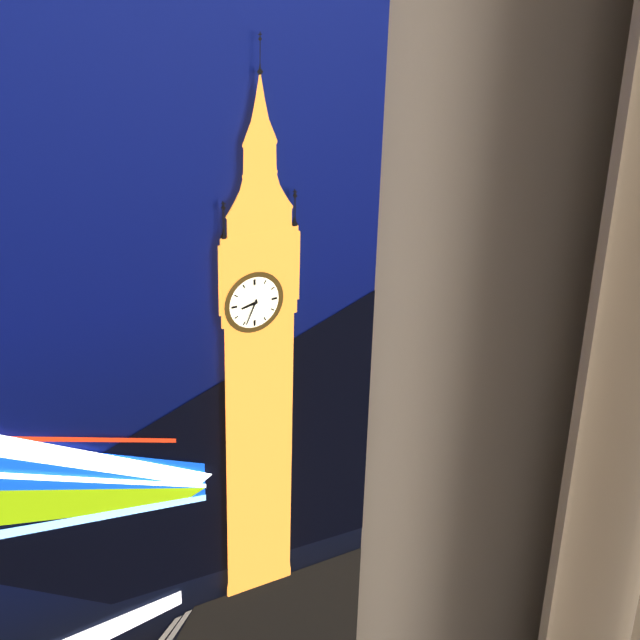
8:34
